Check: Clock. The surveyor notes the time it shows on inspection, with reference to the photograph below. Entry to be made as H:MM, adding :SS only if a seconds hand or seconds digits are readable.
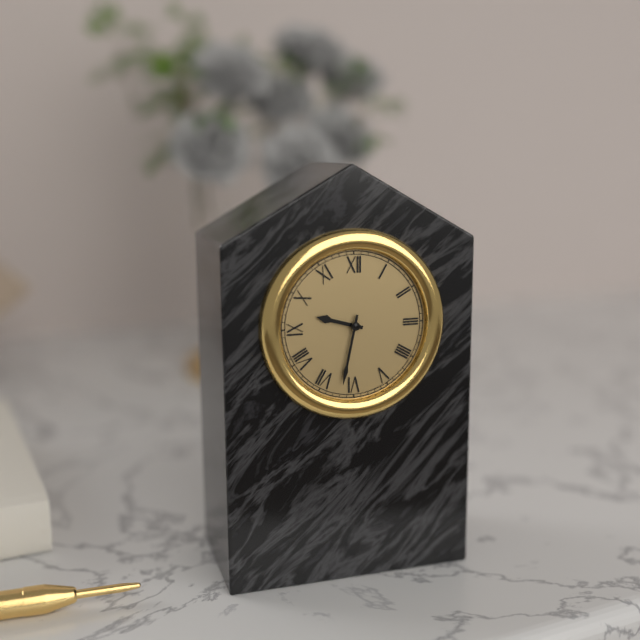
9:32
